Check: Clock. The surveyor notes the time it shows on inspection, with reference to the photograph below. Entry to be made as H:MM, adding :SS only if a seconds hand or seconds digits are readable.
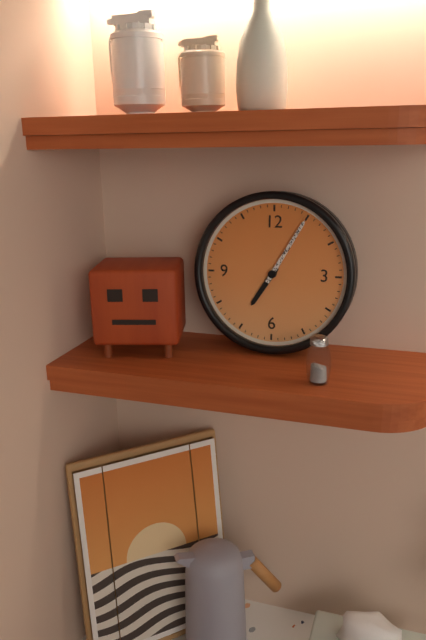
7:05
